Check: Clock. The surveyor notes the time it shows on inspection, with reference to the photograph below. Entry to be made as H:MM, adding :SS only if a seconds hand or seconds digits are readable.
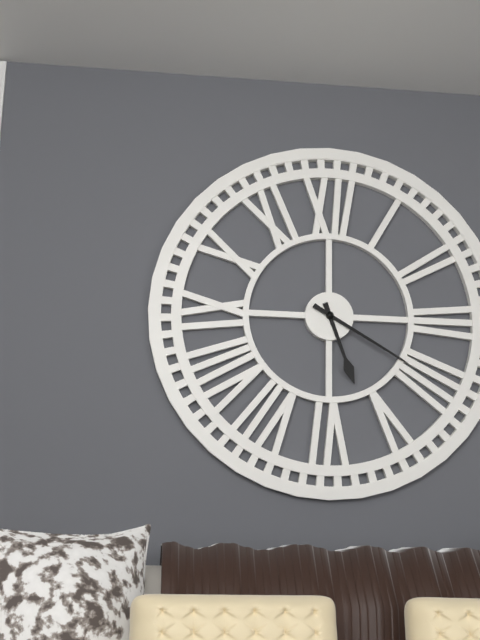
5:20
